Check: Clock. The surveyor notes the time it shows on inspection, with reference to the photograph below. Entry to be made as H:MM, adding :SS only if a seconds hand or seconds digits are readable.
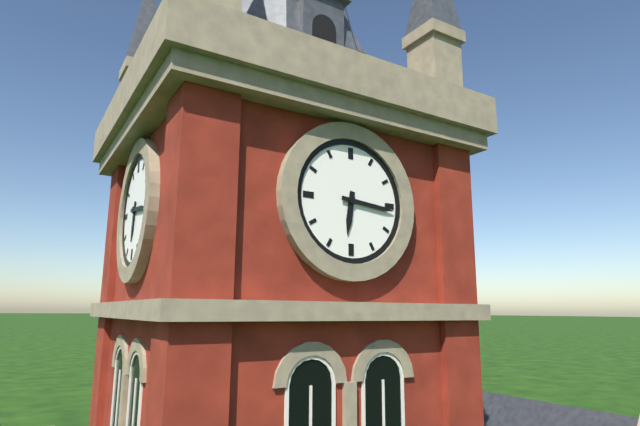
6:16
